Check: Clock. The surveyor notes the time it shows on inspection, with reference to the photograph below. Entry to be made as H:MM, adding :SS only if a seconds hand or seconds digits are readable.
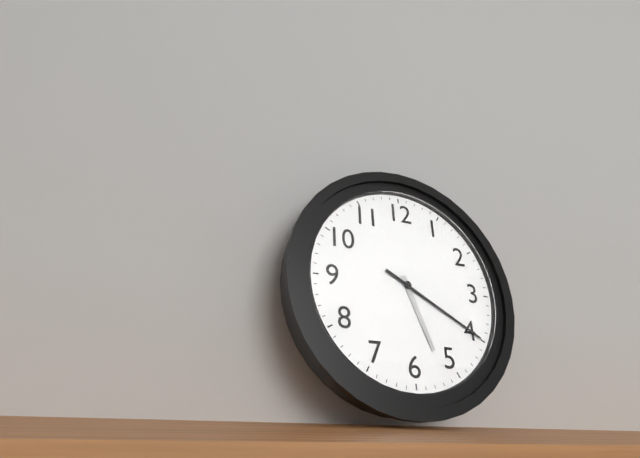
5:20
